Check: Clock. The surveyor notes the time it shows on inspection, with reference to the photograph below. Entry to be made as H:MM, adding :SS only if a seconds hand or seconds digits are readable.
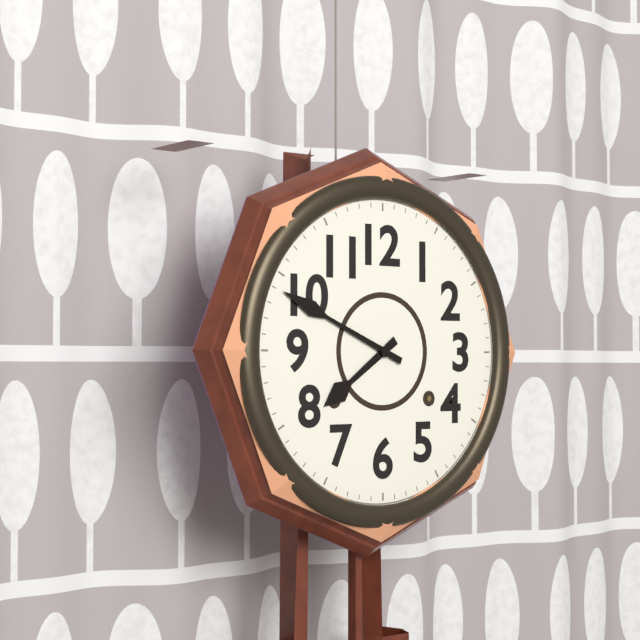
7:49
